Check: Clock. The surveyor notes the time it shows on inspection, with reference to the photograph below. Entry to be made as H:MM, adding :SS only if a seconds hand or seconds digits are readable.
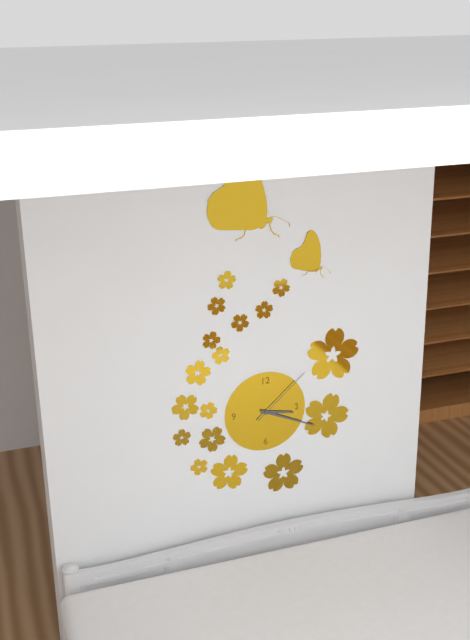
3:19:08
